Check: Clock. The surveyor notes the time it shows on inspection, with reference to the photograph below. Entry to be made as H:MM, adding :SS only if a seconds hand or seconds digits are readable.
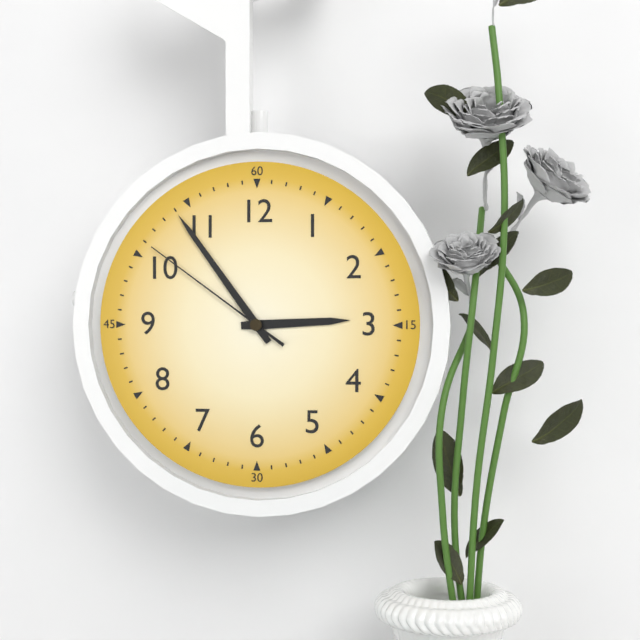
2:54:51
